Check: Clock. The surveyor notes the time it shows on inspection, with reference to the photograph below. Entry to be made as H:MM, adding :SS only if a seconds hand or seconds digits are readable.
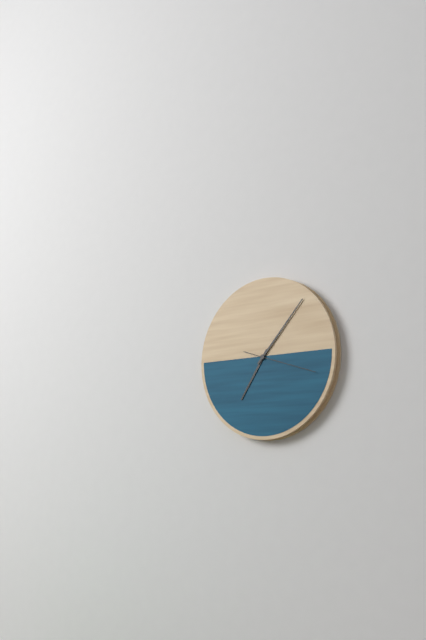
7:07:18
